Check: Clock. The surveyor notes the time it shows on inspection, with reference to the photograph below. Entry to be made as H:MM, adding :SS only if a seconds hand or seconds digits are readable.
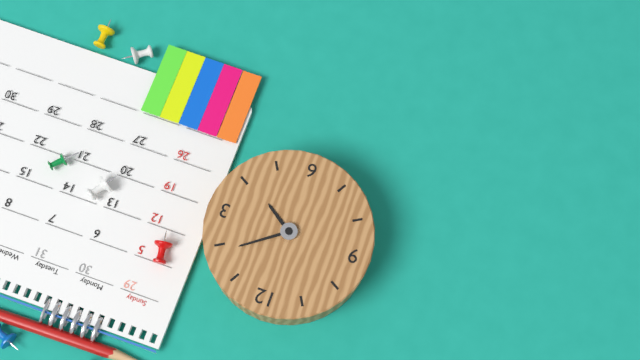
4:09
